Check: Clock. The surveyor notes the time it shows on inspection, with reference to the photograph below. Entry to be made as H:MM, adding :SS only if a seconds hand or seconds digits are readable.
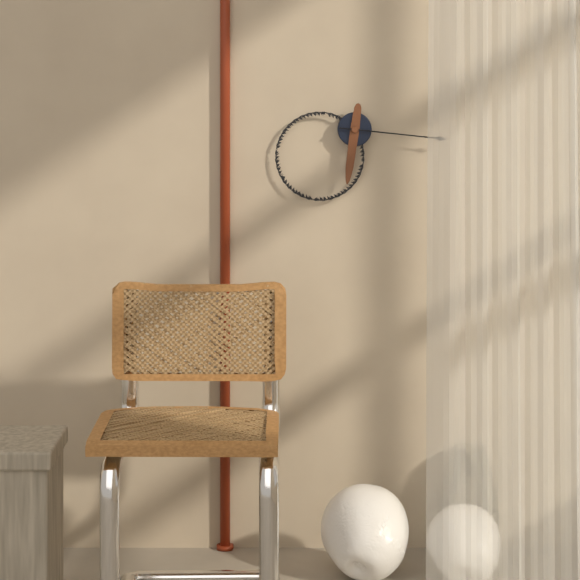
6:16
